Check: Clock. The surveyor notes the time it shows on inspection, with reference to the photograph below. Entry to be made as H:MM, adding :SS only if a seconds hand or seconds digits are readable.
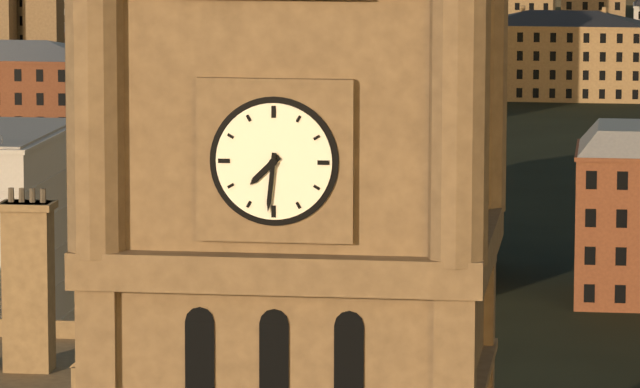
7:31
